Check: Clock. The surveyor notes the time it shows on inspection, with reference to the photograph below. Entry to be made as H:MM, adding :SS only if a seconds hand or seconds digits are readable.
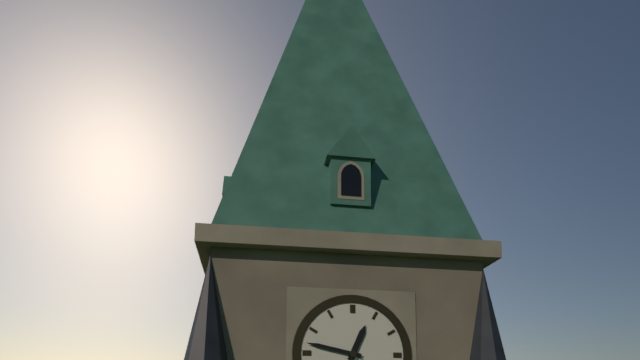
12:47
